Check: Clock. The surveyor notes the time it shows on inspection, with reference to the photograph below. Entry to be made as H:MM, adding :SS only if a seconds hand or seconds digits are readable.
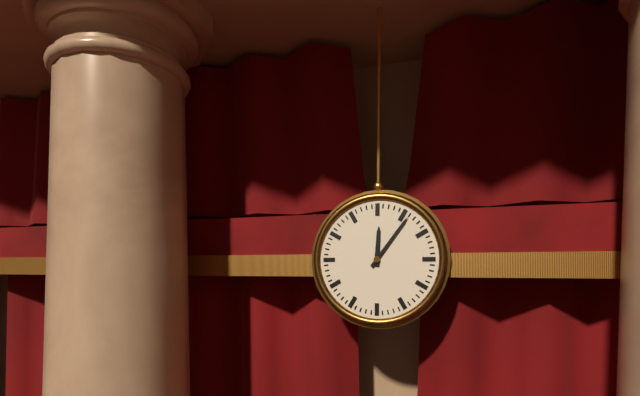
12:06
